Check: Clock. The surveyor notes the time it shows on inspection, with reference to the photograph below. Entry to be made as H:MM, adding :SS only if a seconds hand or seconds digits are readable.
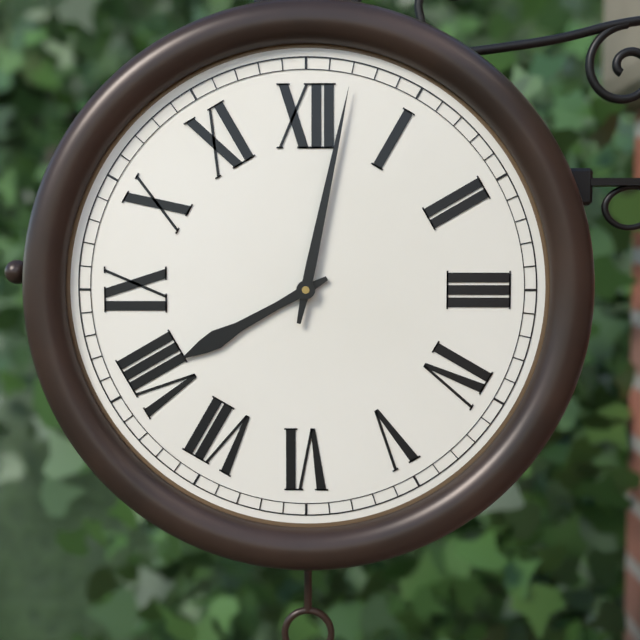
8:02
